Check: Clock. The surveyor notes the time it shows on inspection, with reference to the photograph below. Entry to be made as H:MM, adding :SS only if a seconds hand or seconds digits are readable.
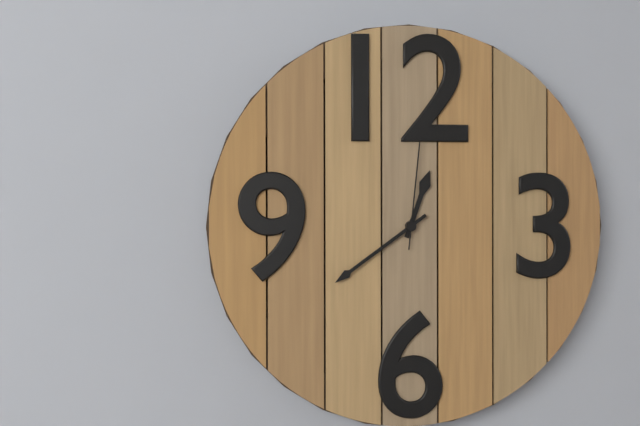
12:39:01
